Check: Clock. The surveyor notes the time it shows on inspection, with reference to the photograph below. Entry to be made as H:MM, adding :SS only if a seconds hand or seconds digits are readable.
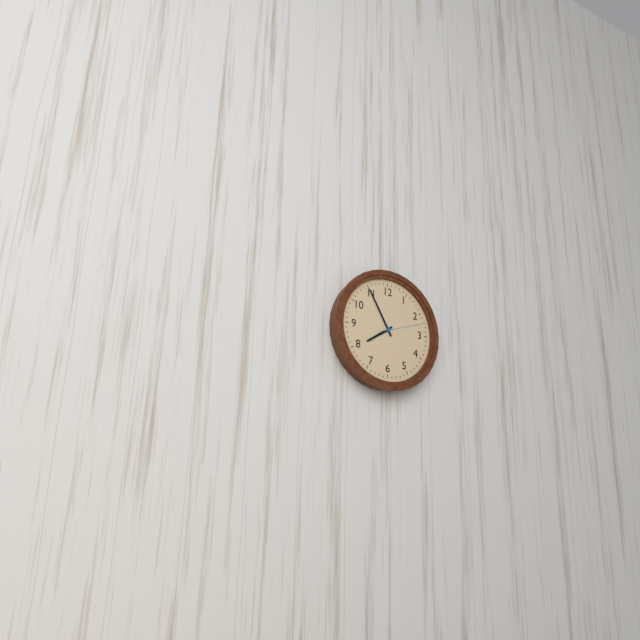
7:55
